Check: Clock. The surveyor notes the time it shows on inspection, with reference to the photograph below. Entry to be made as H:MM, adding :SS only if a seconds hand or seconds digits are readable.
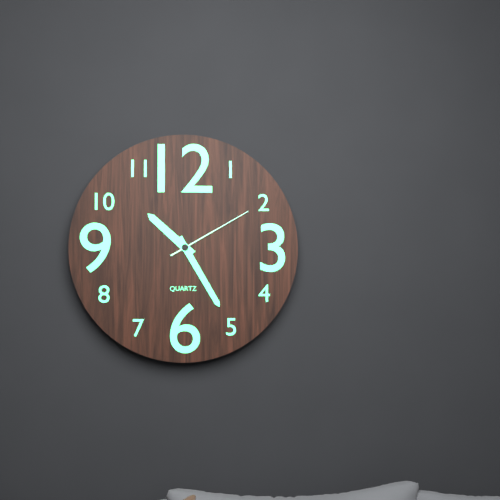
10:25:10
